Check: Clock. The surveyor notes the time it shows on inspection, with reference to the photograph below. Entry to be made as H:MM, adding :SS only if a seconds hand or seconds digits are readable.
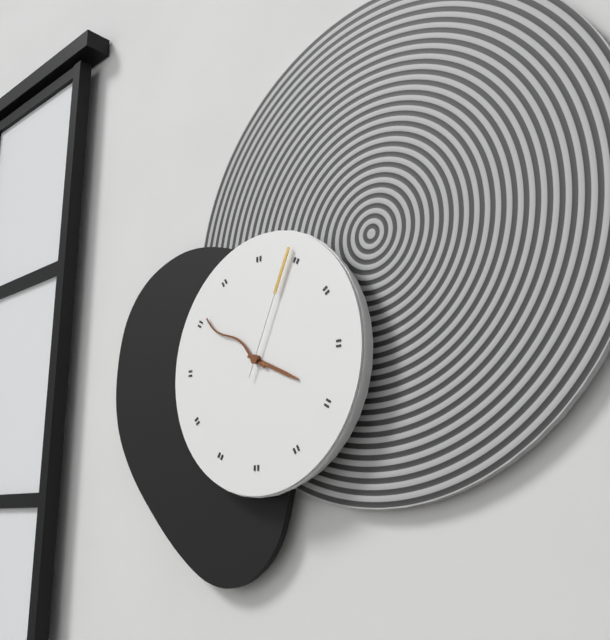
3:51:04
